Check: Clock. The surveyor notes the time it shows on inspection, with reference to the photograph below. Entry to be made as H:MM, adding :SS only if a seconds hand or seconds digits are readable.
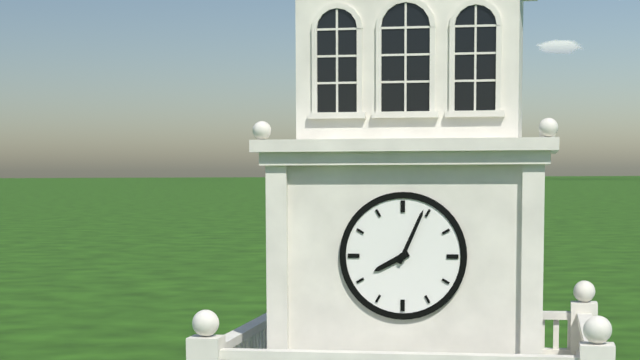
8:04
